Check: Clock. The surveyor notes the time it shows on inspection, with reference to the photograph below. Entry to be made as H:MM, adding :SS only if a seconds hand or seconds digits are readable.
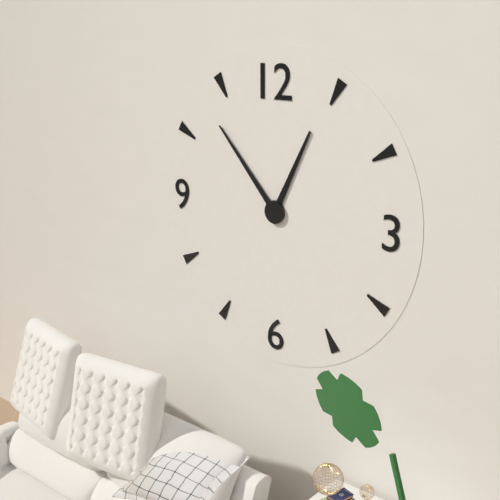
12:53
